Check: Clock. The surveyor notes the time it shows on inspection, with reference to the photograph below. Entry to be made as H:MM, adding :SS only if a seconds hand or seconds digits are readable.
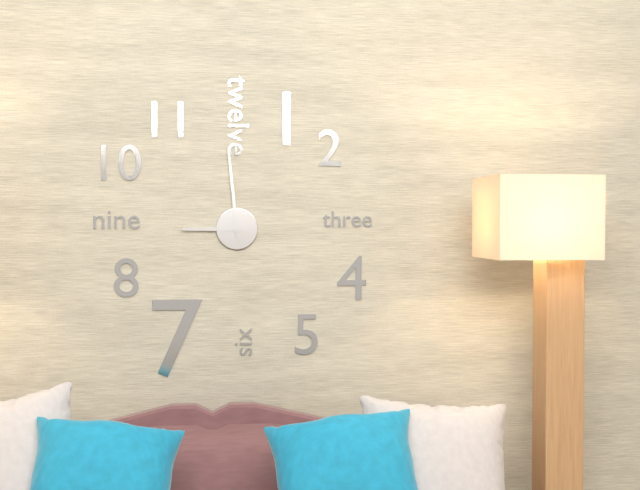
8:59
